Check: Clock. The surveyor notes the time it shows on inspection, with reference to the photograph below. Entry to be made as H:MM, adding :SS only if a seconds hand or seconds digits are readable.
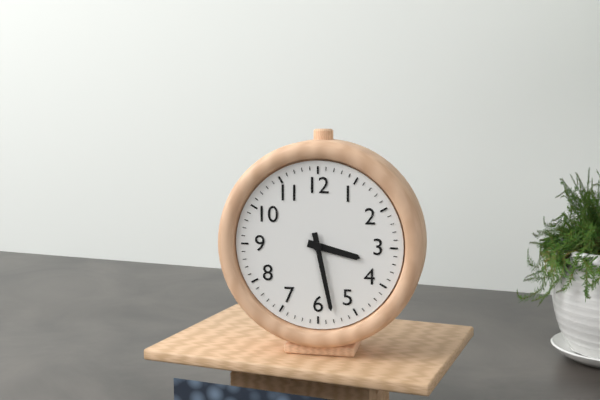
3:28
